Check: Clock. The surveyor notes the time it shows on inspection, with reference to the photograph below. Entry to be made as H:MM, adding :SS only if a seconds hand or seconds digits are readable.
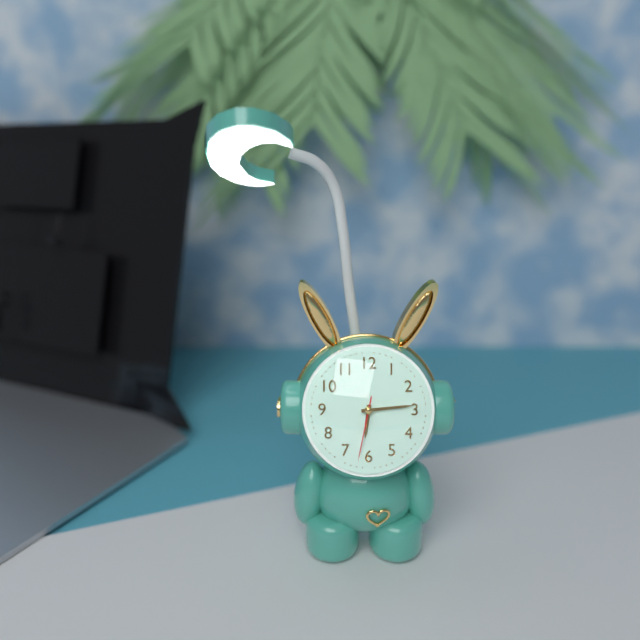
6:14:32
